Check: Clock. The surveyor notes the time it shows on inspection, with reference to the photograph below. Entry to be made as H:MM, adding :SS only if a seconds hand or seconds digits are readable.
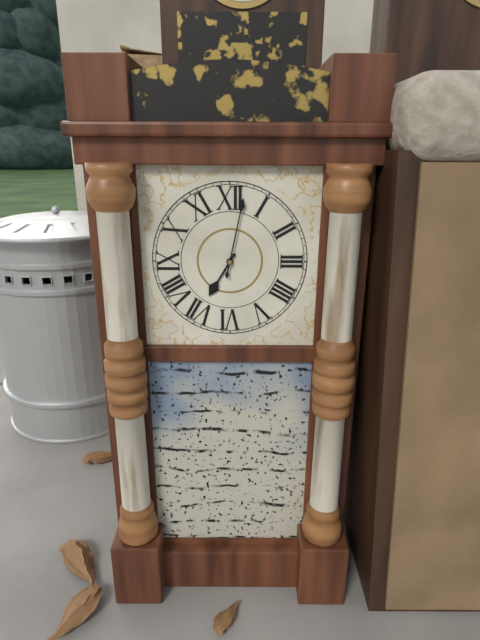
7:02
